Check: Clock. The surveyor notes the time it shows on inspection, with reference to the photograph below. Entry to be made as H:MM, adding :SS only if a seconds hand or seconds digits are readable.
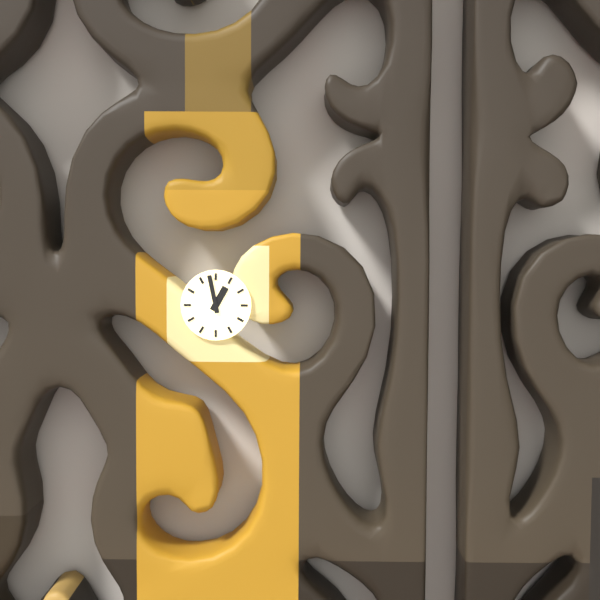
12:58
